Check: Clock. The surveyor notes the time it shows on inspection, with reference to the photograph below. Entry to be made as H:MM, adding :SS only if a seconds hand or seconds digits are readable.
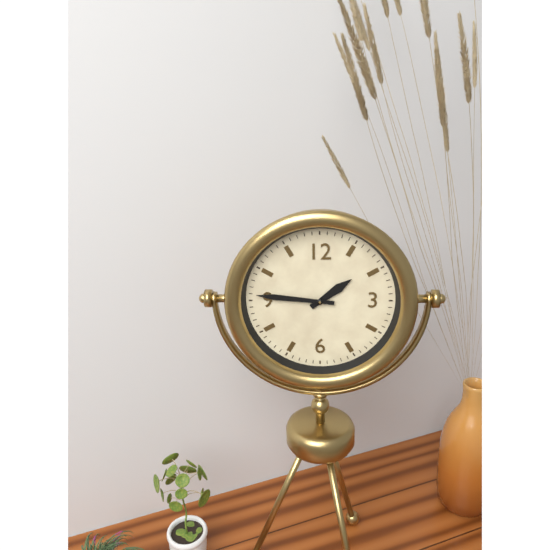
1:46
